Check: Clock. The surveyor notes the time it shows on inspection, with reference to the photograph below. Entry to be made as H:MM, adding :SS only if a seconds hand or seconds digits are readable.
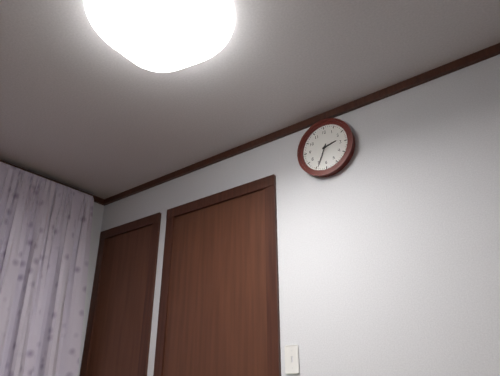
2:34
